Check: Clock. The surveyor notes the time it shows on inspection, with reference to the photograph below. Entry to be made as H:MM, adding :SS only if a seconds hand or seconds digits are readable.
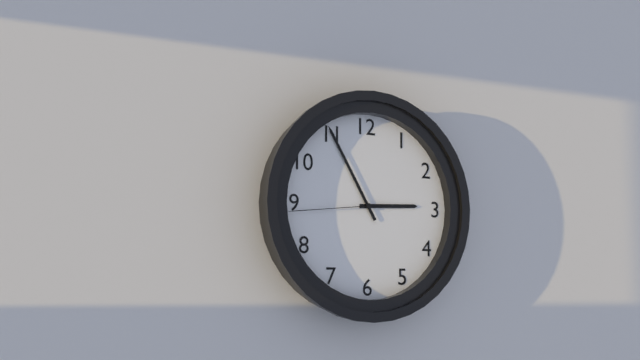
2:55:44
